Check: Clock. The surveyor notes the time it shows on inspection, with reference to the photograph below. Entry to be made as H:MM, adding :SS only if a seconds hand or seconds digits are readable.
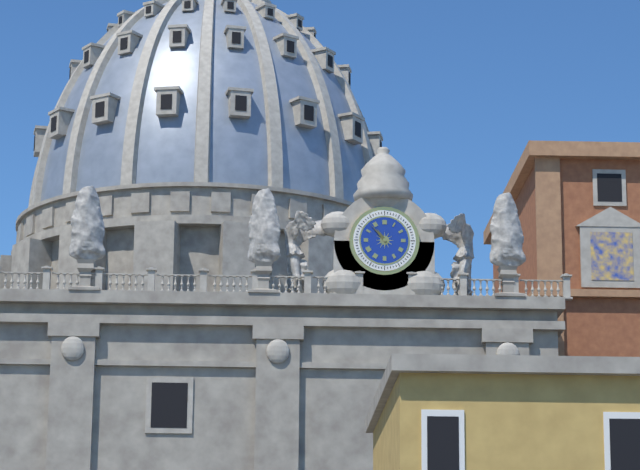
10:53
